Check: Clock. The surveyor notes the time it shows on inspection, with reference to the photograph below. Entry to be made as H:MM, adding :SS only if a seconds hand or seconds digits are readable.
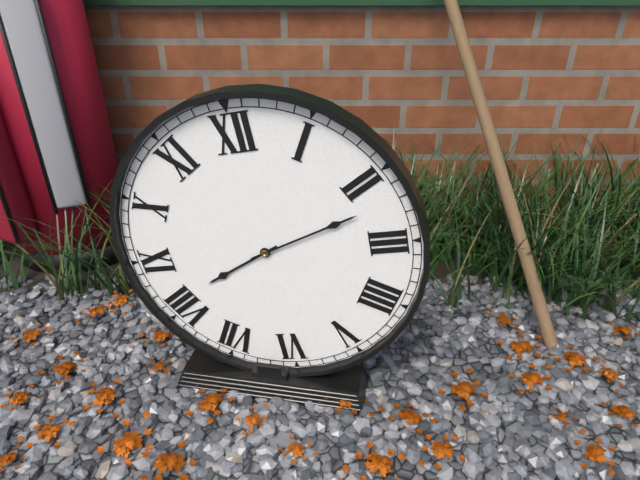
8:12
